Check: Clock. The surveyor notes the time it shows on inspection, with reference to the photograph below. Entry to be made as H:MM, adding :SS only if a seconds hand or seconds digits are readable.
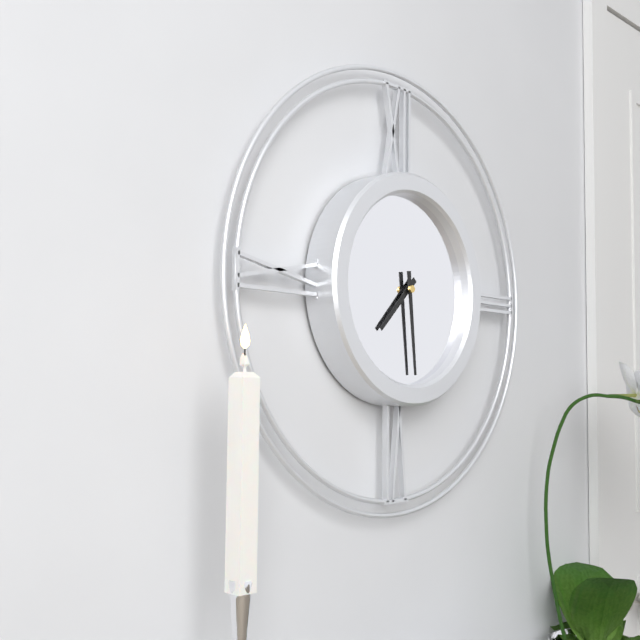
7:29
